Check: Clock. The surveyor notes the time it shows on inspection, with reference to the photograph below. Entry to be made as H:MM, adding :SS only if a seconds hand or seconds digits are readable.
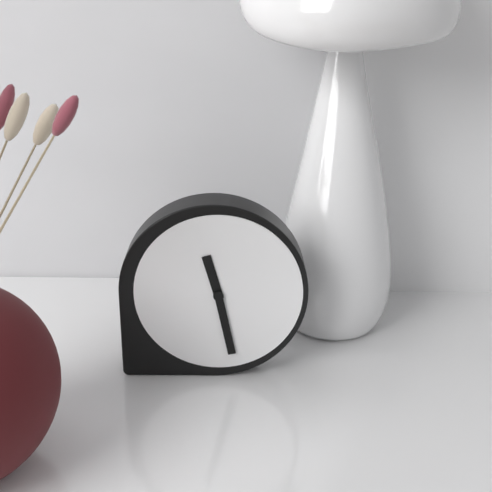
11:28
